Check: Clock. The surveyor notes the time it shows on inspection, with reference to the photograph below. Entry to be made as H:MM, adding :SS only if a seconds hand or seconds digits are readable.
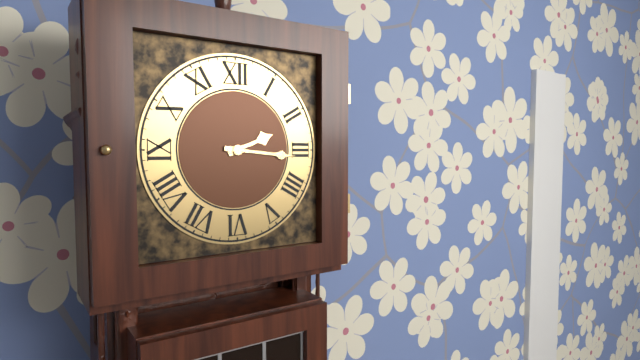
2:16
